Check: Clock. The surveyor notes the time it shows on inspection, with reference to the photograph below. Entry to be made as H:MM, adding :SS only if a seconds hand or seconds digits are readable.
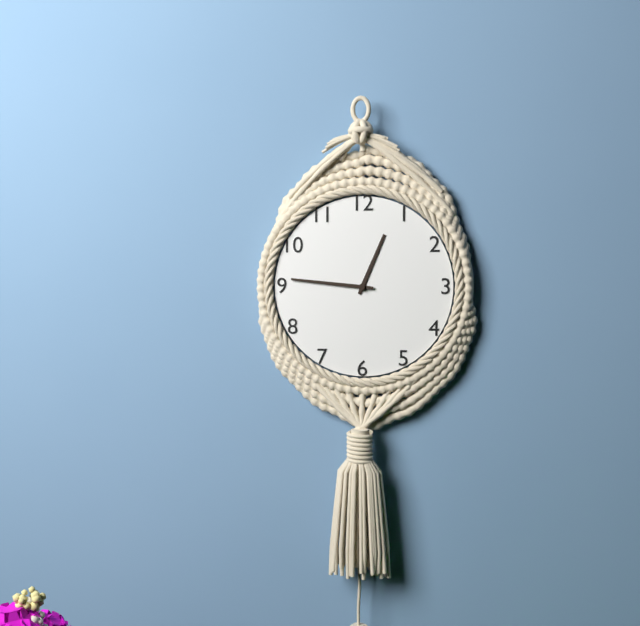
12:46
